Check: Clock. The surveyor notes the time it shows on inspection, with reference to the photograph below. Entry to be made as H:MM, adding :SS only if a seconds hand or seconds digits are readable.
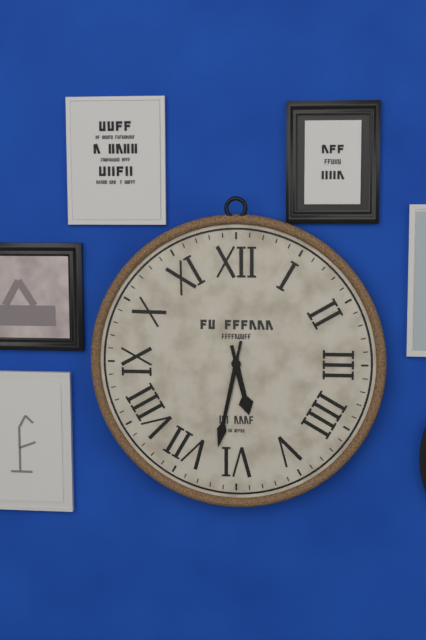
5:32
